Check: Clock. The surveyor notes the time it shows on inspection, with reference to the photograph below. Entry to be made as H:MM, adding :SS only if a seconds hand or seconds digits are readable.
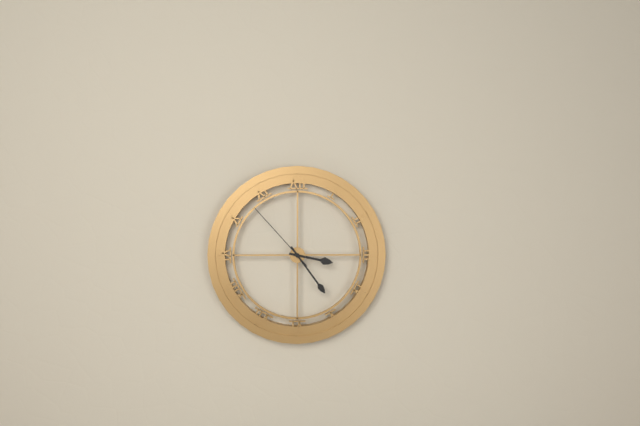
3:24:53
